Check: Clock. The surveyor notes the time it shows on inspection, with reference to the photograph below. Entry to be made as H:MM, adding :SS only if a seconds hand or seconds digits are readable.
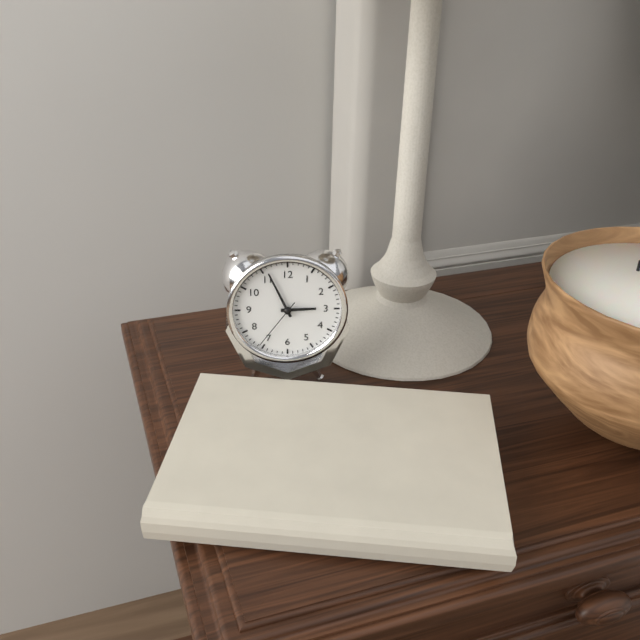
2:56:36
